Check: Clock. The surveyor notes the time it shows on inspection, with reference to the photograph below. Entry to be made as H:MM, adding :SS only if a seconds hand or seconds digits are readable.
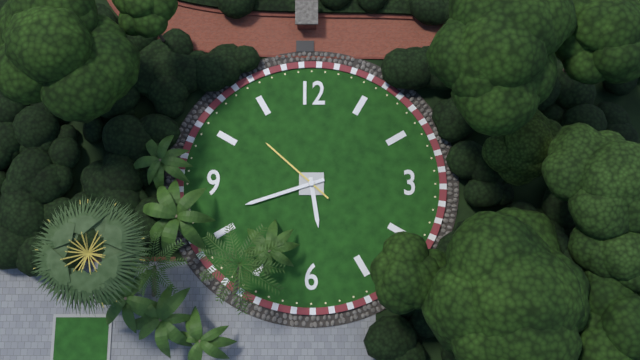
5:42:52
